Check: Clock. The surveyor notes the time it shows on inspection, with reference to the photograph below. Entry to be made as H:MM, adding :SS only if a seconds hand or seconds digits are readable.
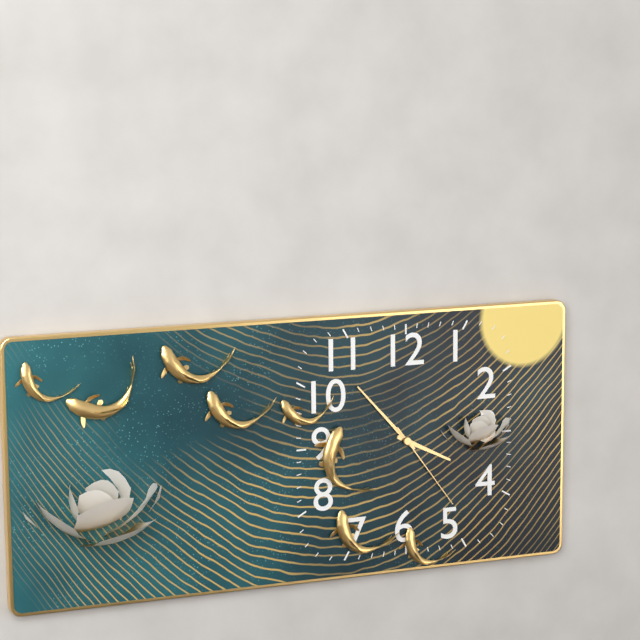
3:53:24
